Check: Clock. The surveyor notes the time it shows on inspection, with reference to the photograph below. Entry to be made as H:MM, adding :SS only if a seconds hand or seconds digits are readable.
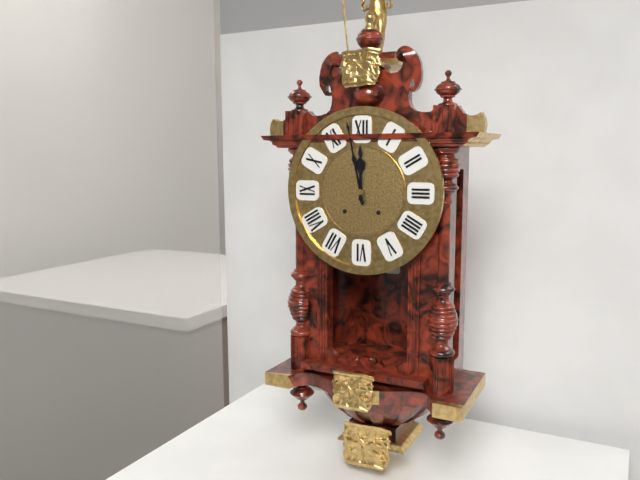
11:58
